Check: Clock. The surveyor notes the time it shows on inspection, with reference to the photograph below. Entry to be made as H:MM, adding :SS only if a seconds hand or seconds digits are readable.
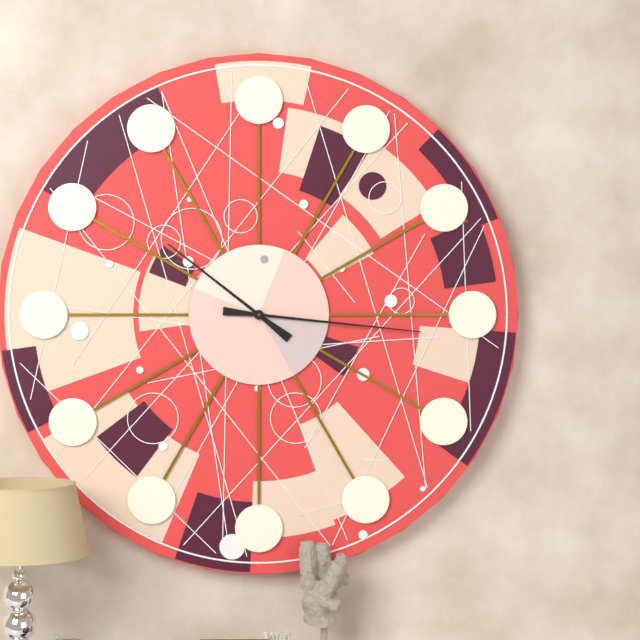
10:16
